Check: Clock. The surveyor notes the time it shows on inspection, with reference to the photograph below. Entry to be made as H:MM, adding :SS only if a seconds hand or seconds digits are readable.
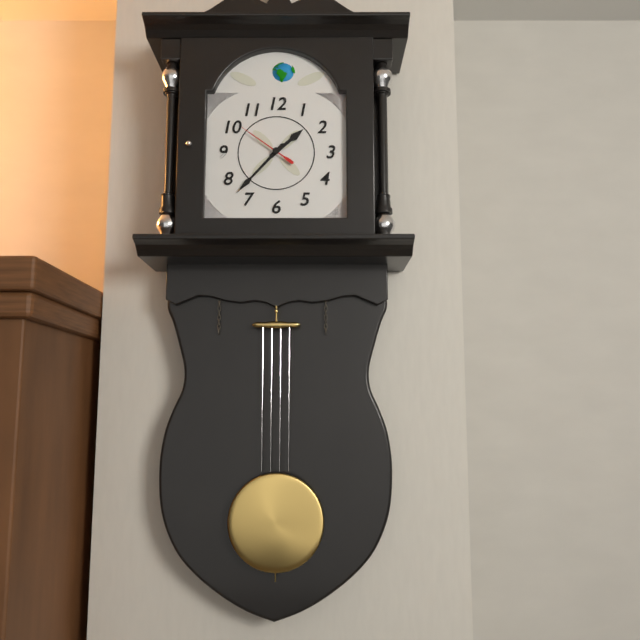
1:37:51
